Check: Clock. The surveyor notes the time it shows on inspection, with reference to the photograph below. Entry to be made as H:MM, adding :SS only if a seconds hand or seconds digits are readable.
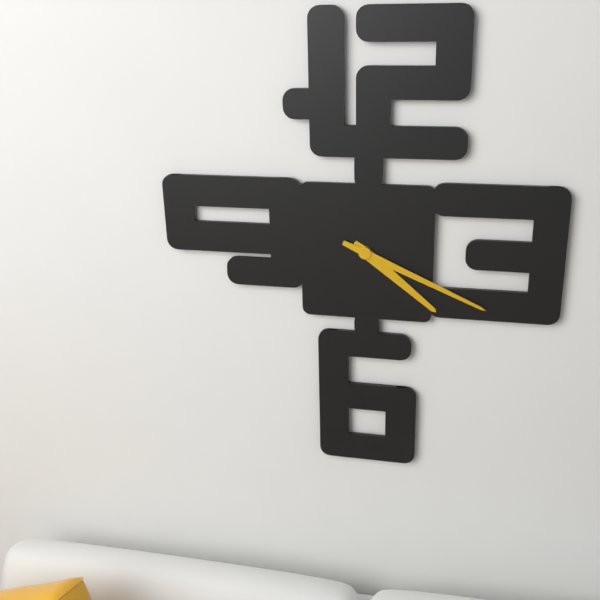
4:19
